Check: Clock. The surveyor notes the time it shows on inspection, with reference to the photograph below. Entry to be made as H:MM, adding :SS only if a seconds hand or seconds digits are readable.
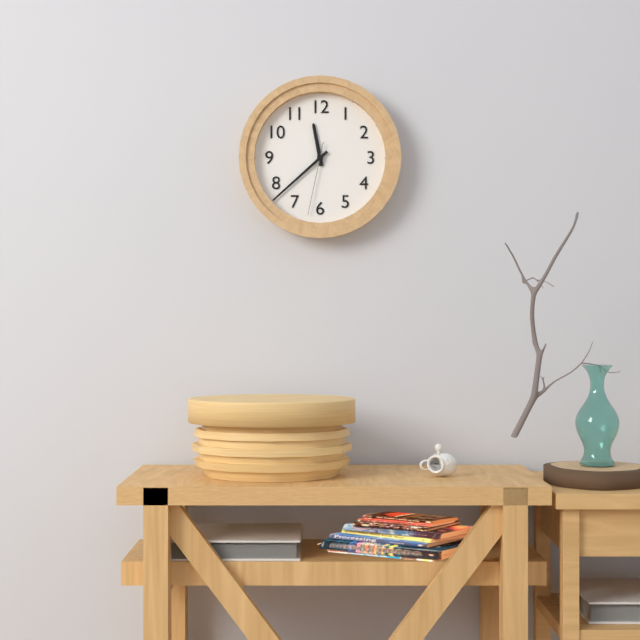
11:38:32
